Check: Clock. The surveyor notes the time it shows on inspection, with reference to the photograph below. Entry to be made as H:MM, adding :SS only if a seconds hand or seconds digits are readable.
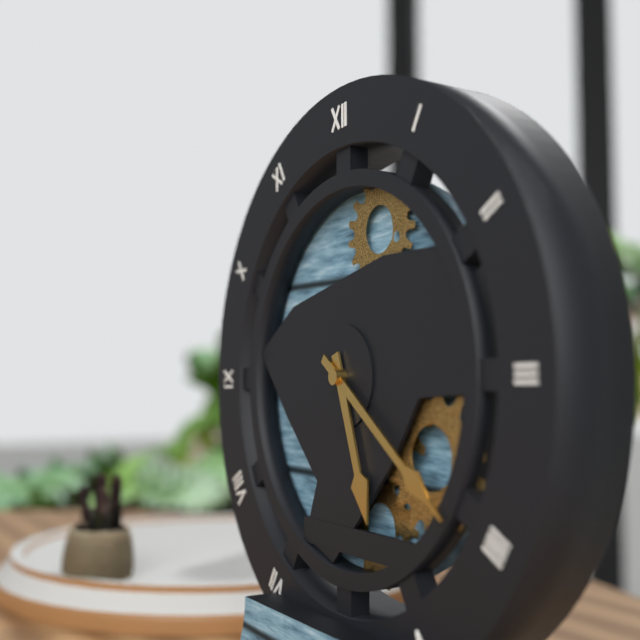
5:21
